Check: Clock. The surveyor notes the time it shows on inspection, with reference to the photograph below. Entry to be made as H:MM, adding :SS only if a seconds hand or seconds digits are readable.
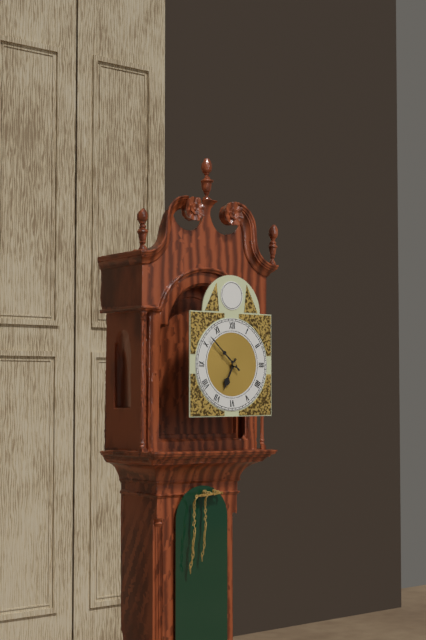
6:52
